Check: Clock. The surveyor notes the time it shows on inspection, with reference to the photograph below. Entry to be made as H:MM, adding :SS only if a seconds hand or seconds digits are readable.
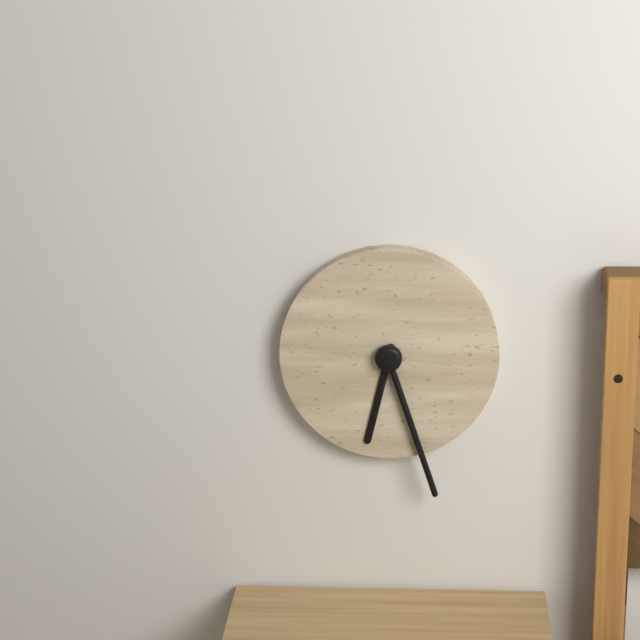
6:27
